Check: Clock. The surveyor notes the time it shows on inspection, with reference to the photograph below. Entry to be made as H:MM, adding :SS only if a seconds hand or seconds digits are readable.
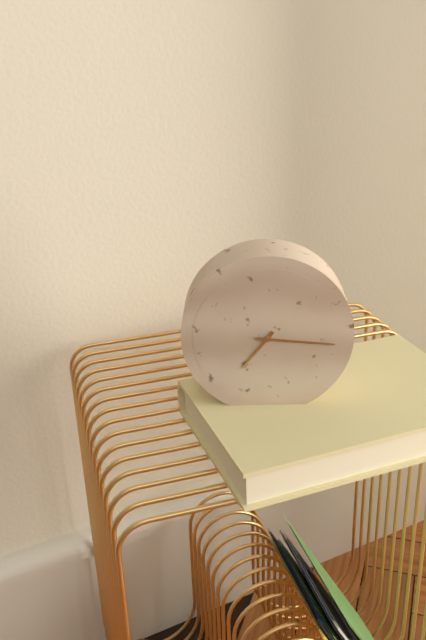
7:16
